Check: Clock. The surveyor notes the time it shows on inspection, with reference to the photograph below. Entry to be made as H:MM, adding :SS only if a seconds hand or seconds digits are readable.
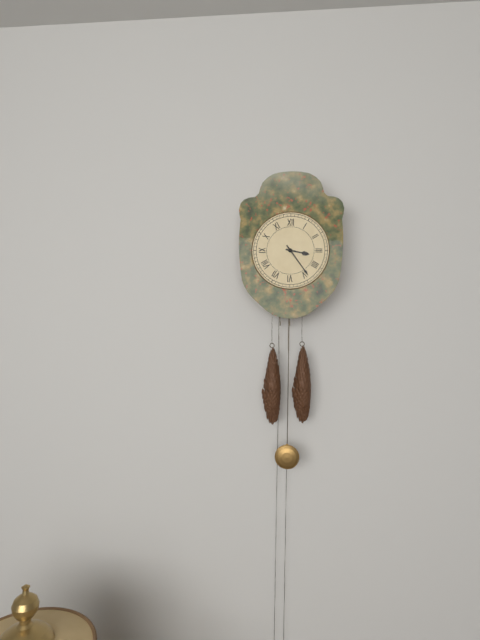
3:24
